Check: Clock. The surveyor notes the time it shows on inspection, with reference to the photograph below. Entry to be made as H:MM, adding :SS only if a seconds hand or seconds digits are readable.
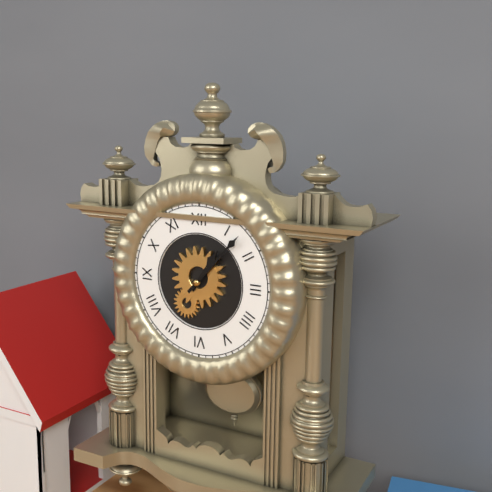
1:07
